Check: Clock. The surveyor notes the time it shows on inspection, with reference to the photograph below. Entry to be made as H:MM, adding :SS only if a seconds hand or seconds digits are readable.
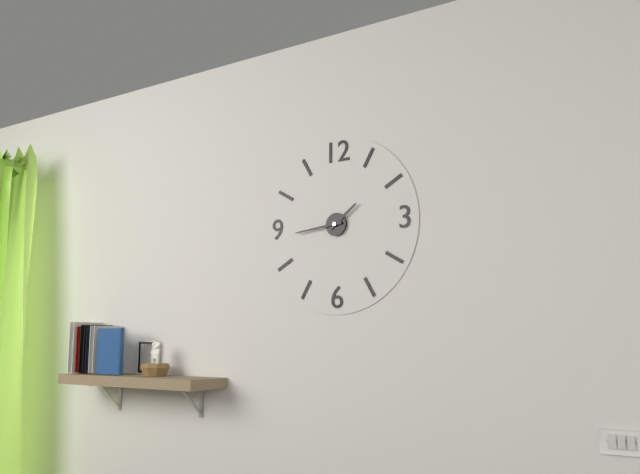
1:44
